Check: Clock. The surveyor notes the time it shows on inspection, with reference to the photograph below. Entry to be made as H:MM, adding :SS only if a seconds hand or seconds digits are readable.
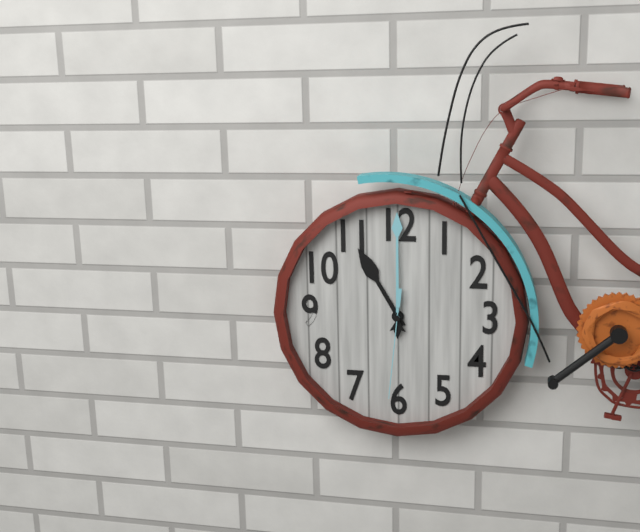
11:00:31
